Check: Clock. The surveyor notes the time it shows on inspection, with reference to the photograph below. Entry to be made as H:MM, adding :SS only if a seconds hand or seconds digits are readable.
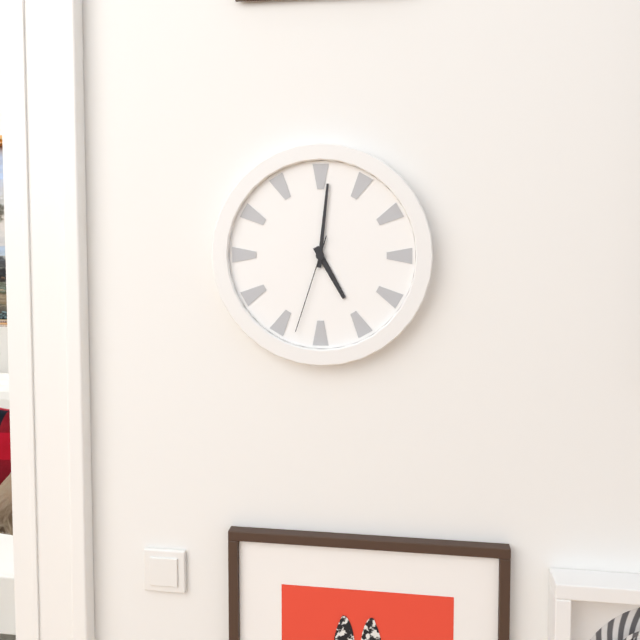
5:01:33
